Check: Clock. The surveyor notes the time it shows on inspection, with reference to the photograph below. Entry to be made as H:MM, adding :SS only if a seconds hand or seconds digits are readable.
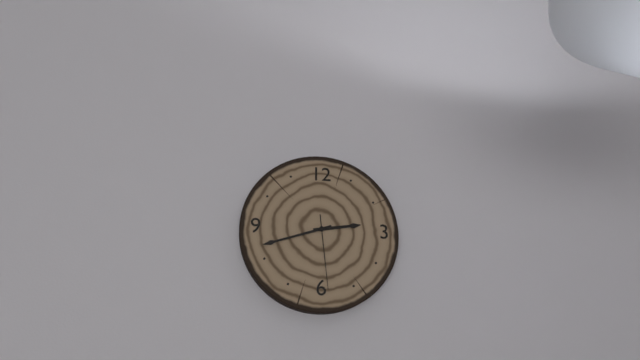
2:42:29
